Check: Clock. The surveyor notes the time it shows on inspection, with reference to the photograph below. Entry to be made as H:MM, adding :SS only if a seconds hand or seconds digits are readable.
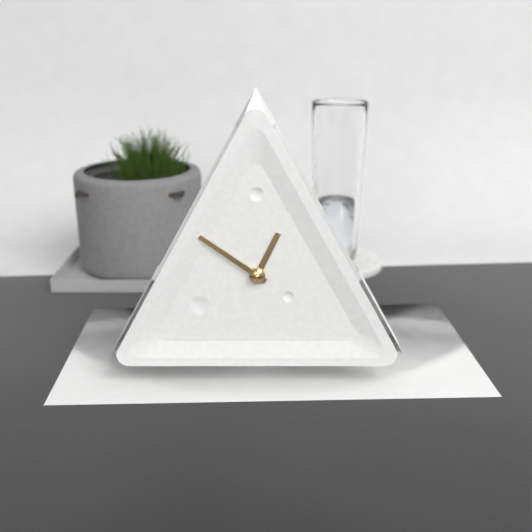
12:51
